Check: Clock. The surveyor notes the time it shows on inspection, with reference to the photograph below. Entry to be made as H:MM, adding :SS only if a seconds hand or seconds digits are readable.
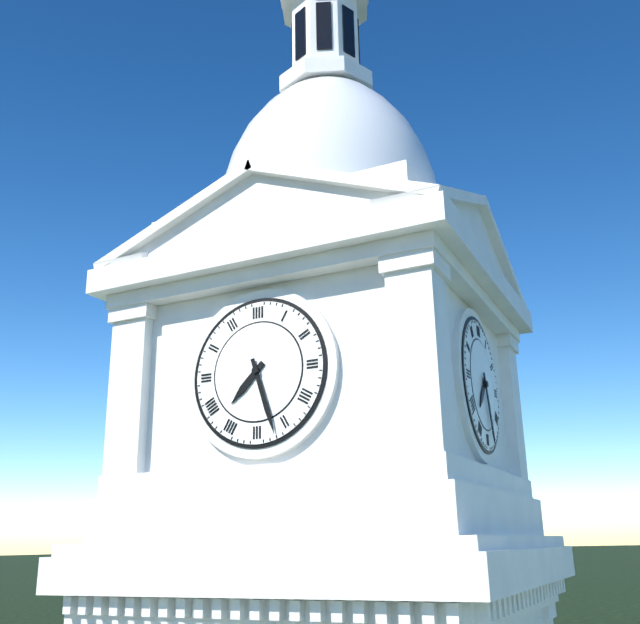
7:27
